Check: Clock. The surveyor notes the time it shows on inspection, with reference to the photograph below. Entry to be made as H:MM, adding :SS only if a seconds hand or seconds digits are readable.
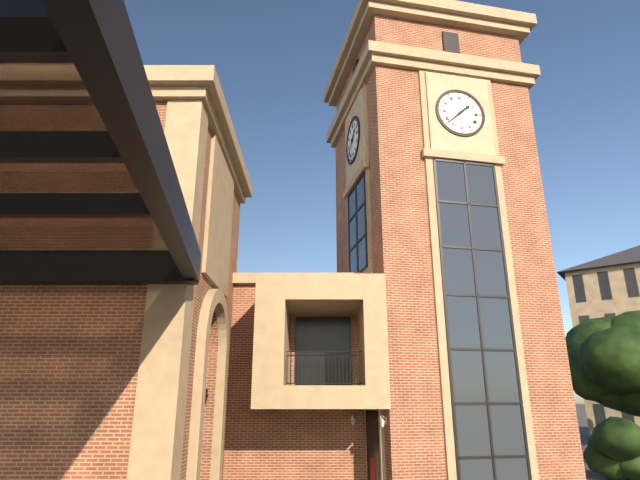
1:38
